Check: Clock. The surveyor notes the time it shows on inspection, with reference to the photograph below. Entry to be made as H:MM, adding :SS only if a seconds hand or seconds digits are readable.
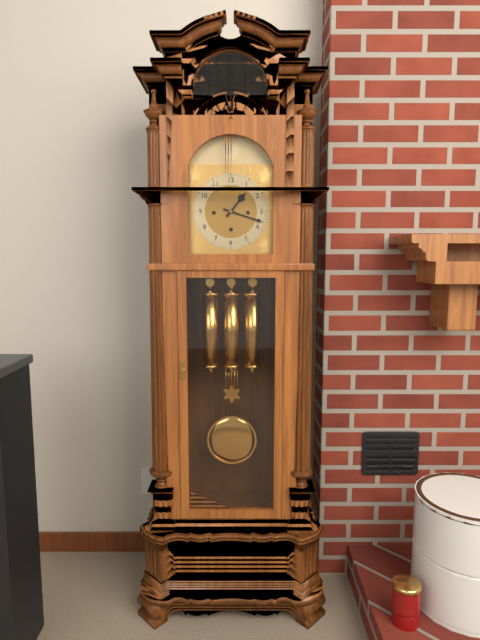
1:18
